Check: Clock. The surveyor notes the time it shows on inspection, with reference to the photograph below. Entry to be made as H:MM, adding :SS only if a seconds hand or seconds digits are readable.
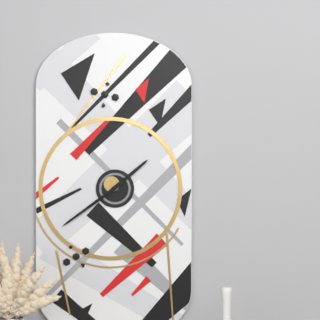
1:39
